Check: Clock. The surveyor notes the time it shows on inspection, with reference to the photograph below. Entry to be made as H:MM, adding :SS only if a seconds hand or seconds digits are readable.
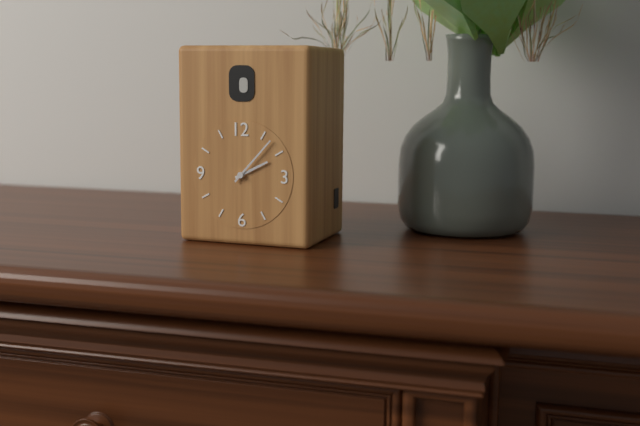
2:07
